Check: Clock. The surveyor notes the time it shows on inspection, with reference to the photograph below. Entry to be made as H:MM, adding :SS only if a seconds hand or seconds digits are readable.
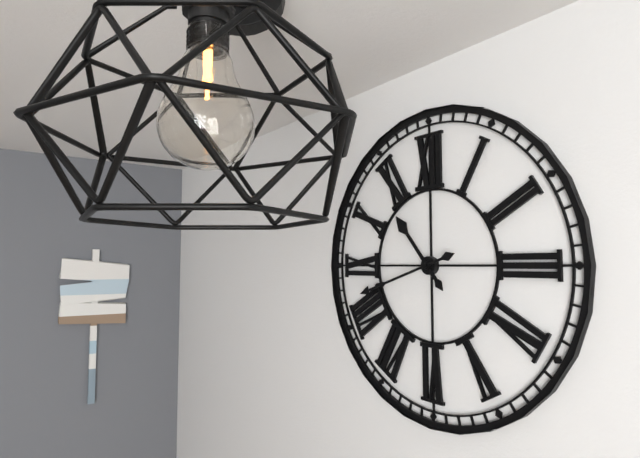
10:42
